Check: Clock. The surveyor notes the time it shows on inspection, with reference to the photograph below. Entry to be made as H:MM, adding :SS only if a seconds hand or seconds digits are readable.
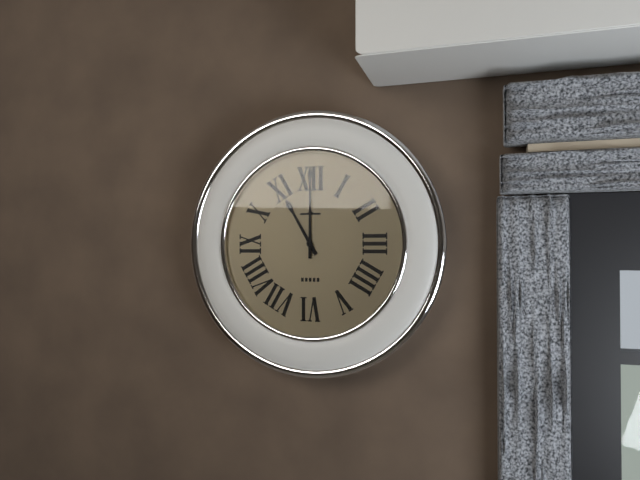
11:00
